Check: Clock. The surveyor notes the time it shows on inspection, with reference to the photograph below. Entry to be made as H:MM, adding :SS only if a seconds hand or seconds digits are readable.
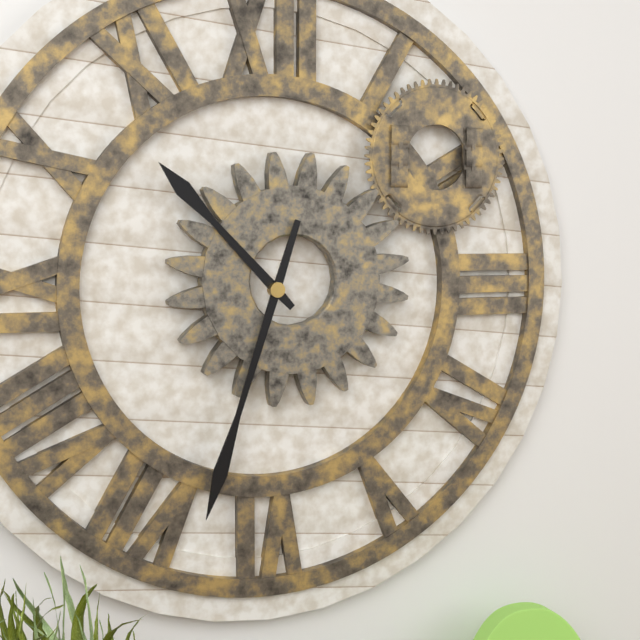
10:33
